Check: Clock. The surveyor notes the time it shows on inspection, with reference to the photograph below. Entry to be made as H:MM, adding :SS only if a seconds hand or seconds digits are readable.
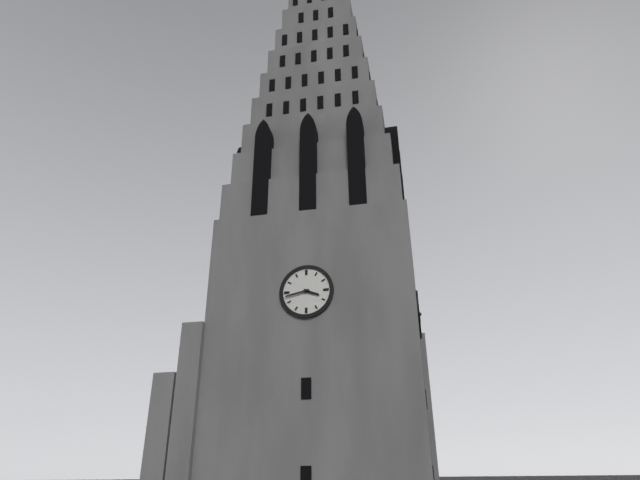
3:43
